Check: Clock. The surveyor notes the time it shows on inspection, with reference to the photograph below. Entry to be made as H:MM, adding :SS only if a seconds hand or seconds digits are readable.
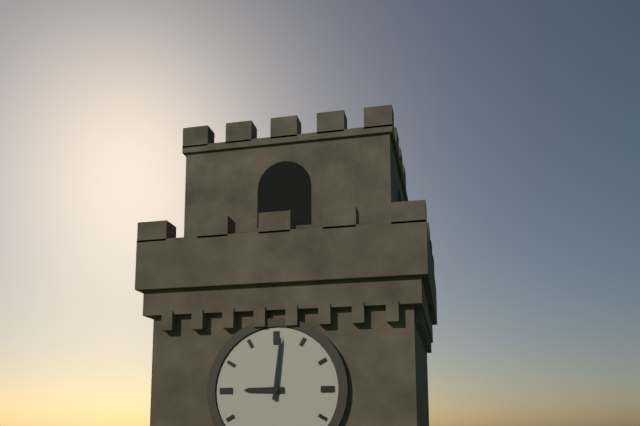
9:01
